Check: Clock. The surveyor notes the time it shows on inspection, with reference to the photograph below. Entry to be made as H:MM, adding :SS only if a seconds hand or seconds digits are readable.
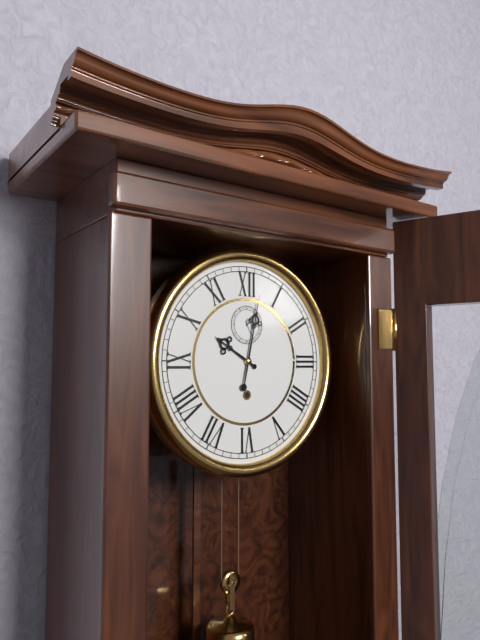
10:02
